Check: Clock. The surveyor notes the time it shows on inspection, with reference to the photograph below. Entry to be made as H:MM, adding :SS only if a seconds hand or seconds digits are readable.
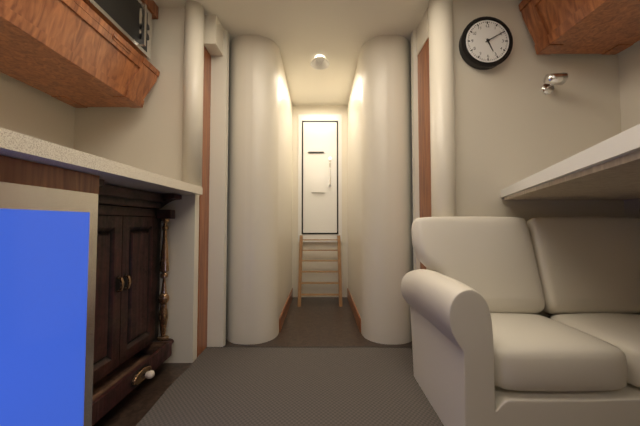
5:10
